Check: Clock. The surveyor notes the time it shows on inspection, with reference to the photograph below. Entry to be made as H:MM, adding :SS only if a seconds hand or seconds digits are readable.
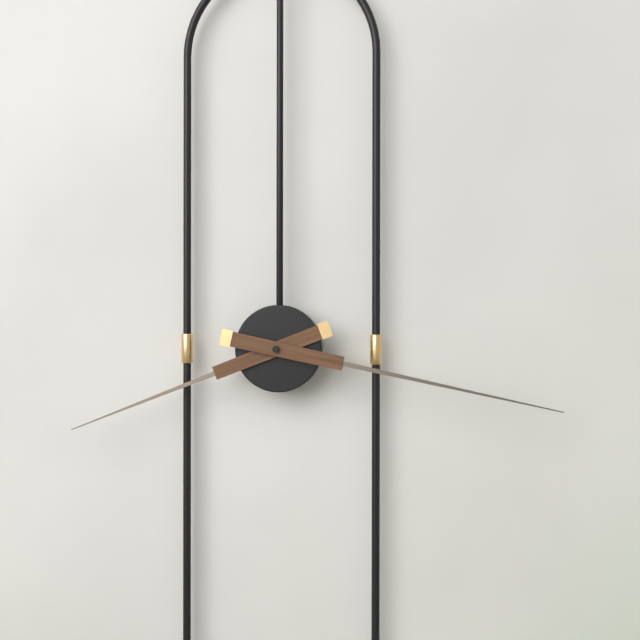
8:17
